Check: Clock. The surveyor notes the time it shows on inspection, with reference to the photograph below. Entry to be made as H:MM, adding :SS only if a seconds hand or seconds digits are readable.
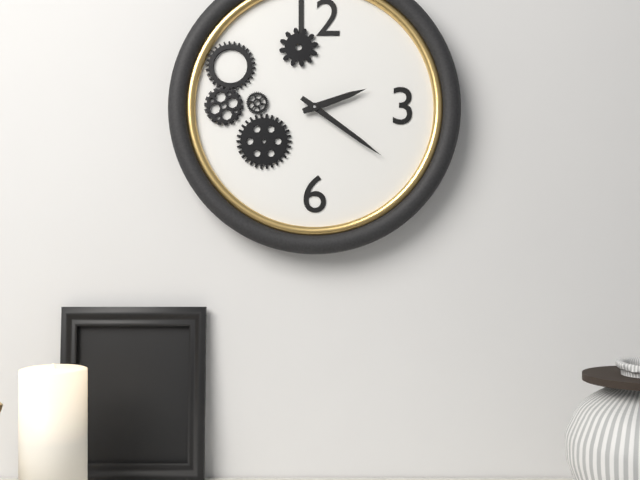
2:21
